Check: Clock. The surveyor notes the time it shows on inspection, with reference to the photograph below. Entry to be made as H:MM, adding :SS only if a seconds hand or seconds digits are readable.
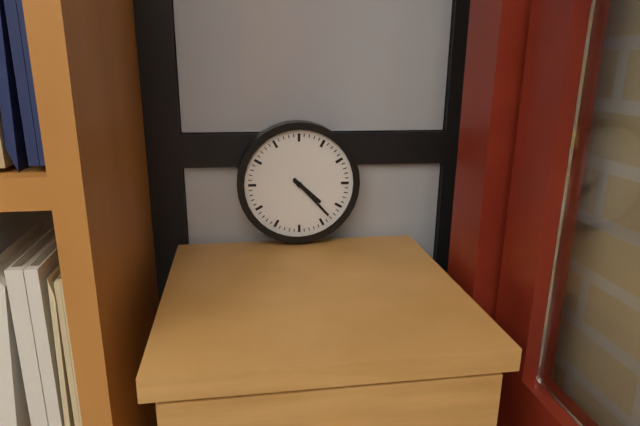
4:23
